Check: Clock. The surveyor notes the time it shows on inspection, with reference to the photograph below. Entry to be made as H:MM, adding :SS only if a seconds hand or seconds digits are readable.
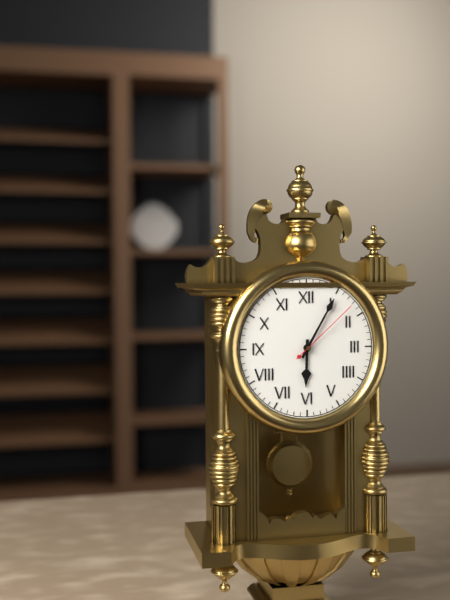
6:05:08
